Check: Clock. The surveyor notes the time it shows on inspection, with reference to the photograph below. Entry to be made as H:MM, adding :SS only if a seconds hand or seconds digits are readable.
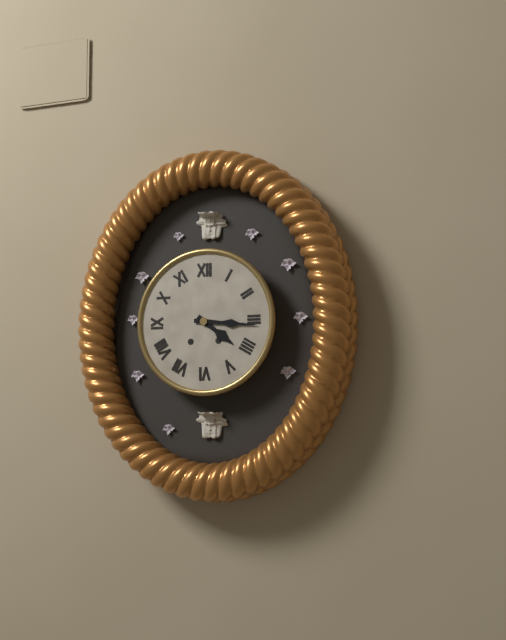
4:16
